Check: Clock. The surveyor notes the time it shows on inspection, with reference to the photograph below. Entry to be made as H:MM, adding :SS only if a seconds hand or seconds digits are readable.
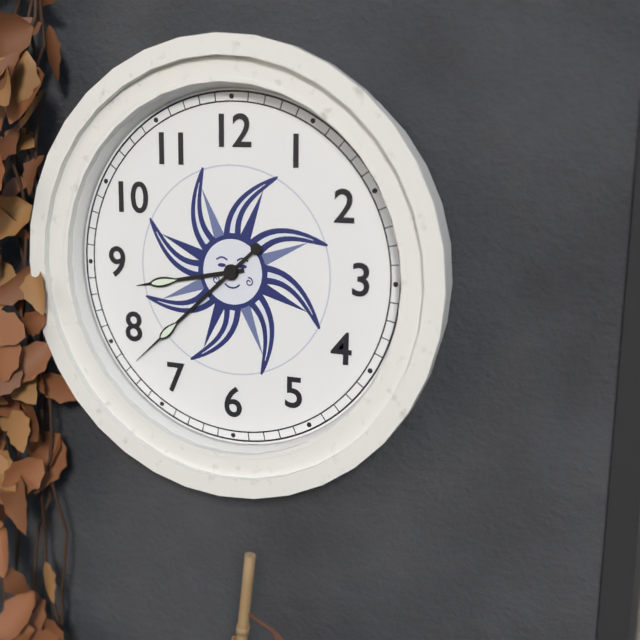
8:38
